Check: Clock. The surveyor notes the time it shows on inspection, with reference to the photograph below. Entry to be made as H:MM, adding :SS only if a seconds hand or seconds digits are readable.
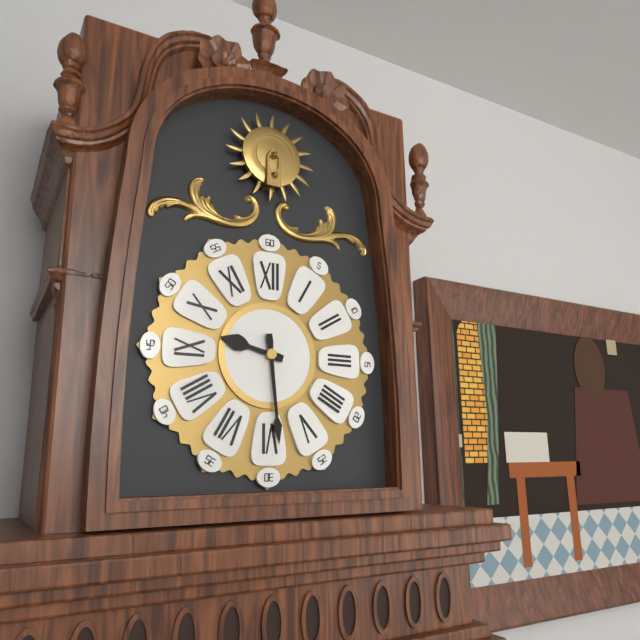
9:29
